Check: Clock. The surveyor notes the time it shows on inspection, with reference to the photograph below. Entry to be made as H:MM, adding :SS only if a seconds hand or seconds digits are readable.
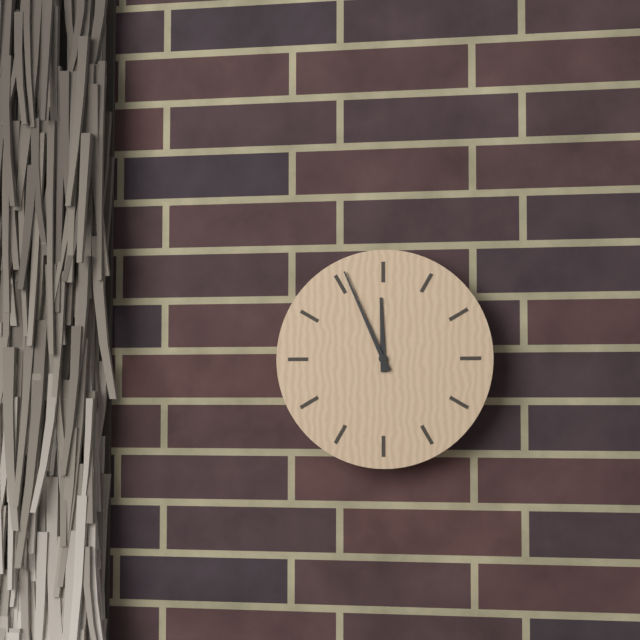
11:56
